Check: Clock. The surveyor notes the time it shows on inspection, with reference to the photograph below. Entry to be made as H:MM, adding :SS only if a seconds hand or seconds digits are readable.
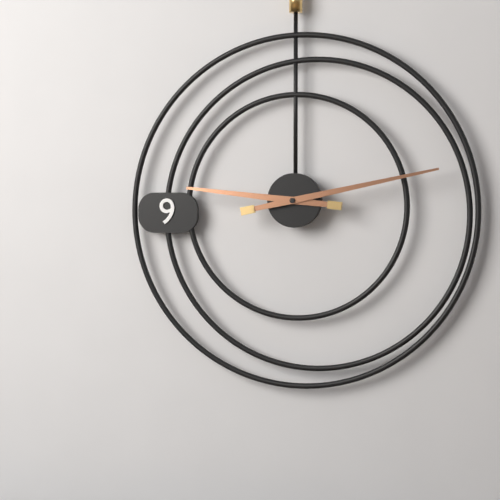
9:13
